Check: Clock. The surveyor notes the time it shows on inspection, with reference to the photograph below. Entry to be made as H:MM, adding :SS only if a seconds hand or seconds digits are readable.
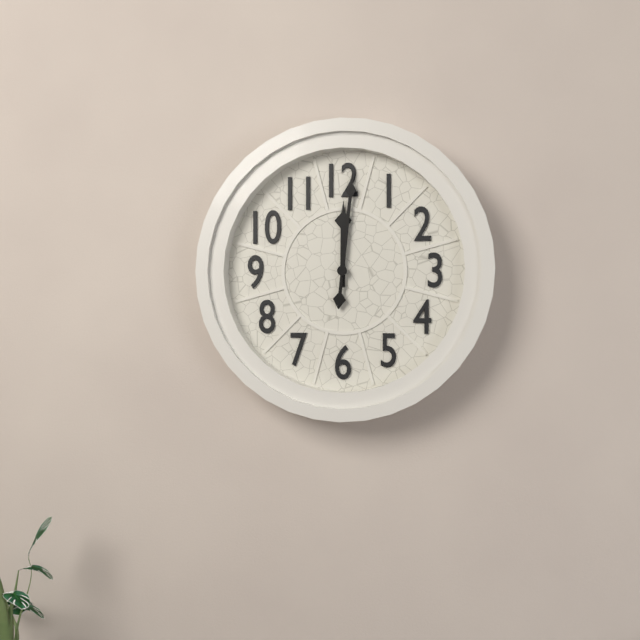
12:01
